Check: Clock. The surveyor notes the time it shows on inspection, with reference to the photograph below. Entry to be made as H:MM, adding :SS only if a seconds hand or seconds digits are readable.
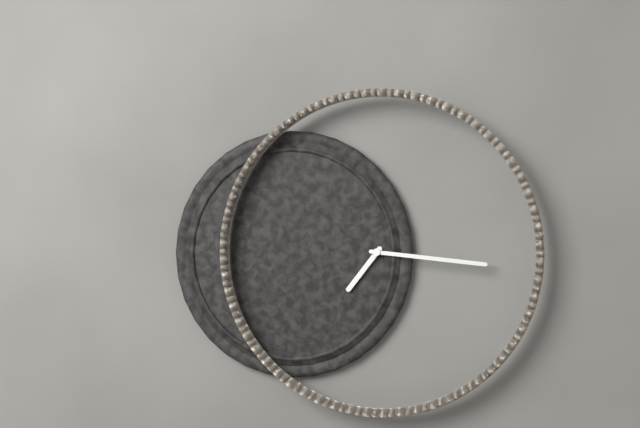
7:16
